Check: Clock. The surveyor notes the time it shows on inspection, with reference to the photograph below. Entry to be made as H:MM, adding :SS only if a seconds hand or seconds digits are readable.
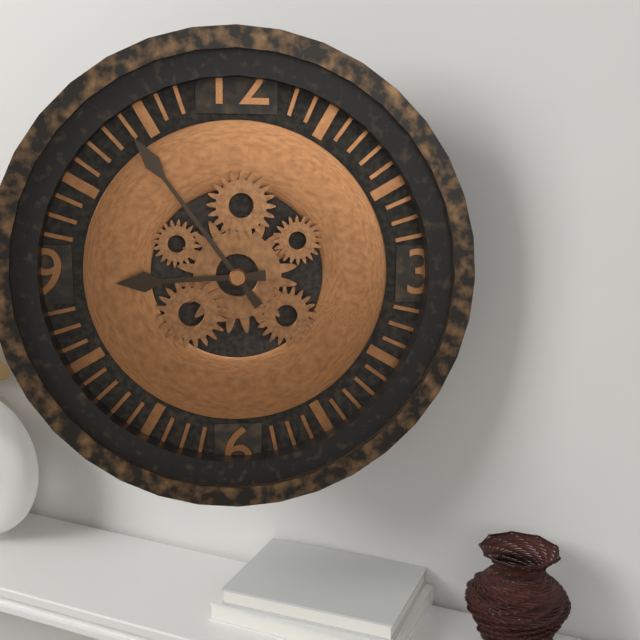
8:54
